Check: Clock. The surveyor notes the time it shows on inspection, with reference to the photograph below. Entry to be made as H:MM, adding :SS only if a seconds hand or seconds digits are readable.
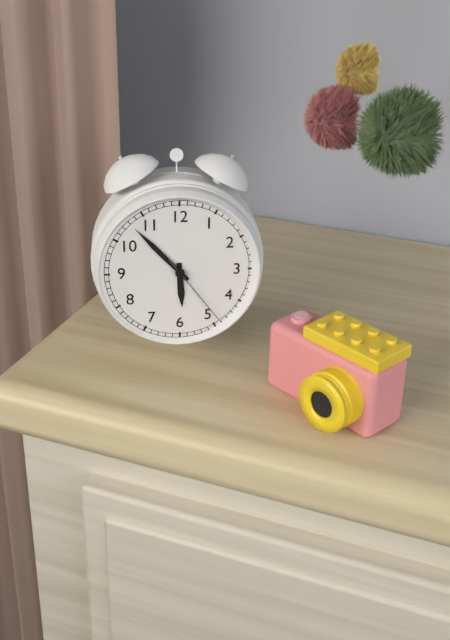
5:53:24
